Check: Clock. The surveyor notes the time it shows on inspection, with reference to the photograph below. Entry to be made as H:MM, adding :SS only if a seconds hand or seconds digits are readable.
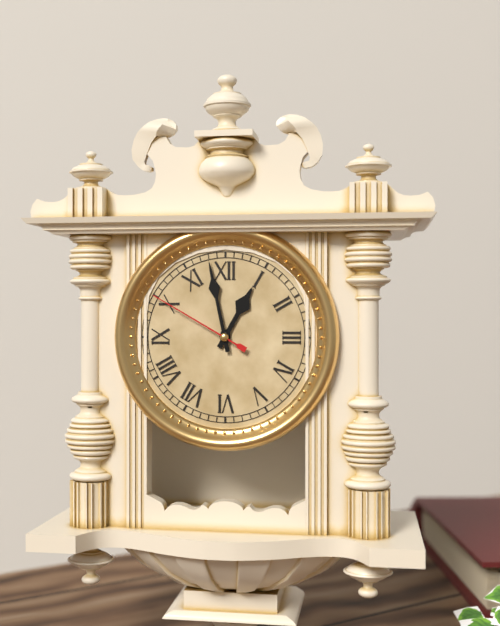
12:58:50
